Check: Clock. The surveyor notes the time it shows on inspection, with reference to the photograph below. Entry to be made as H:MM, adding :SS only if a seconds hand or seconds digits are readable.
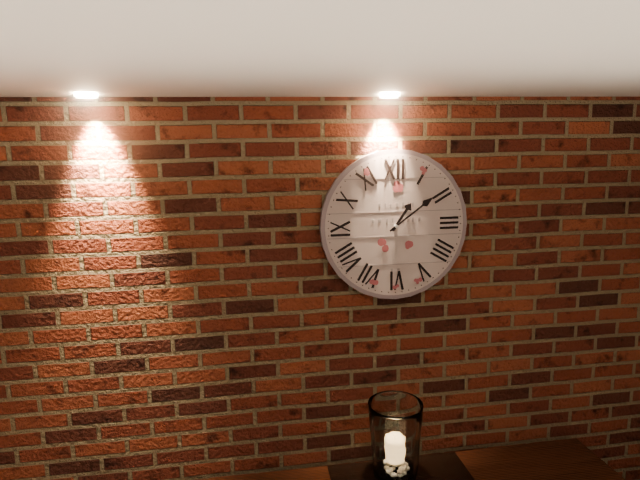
1:09
